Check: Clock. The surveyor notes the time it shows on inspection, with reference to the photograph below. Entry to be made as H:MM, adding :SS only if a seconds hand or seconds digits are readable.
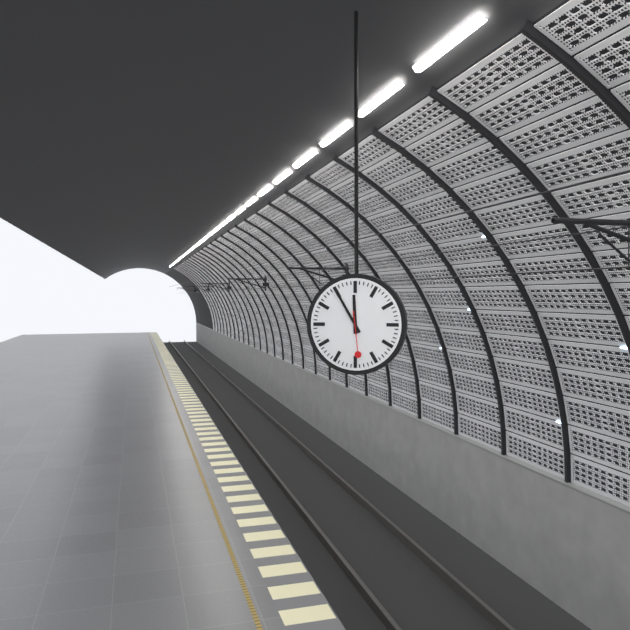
11:55
